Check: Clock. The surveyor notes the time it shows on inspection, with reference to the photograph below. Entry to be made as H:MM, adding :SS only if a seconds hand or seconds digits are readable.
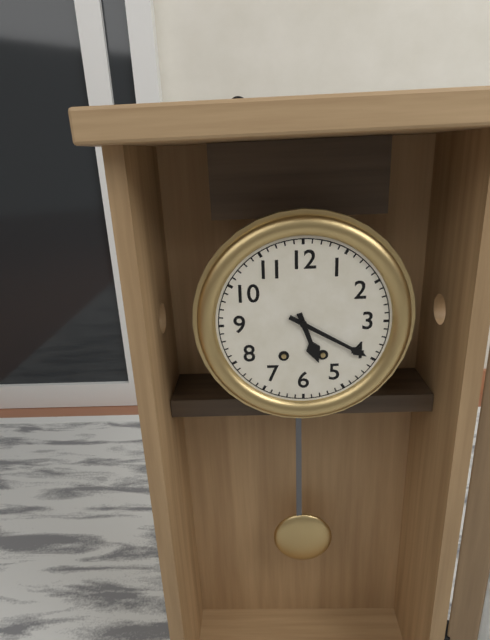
5:20
